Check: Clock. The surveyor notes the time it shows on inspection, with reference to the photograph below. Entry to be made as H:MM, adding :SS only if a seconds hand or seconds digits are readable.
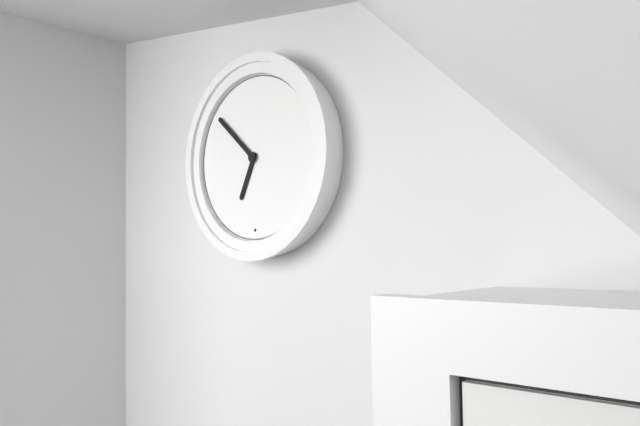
6:52
